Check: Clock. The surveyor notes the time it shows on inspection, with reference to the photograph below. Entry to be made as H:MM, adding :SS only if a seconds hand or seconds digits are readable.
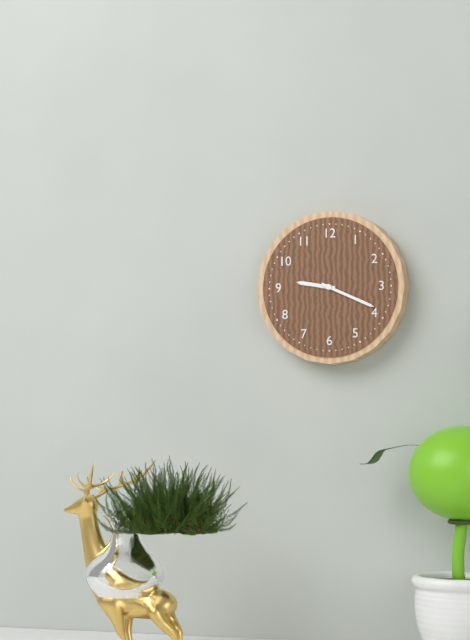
9:19
